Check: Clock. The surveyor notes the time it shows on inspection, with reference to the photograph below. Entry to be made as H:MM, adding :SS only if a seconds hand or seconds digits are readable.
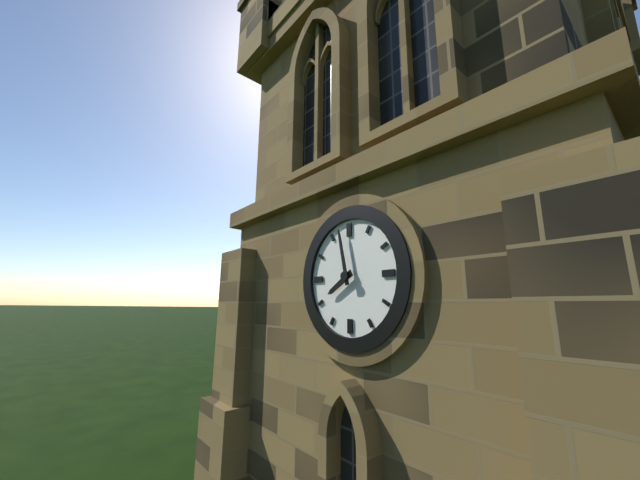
7:58
